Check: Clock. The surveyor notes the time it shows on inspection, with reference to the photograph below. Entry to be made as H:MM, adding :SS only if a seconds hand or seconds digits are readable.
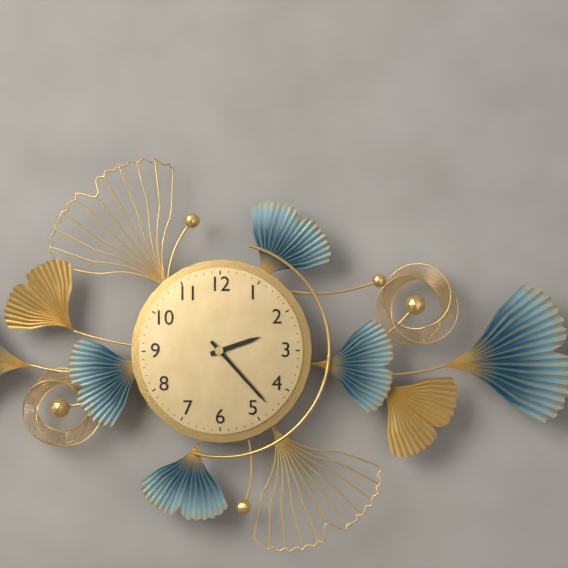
2:23
